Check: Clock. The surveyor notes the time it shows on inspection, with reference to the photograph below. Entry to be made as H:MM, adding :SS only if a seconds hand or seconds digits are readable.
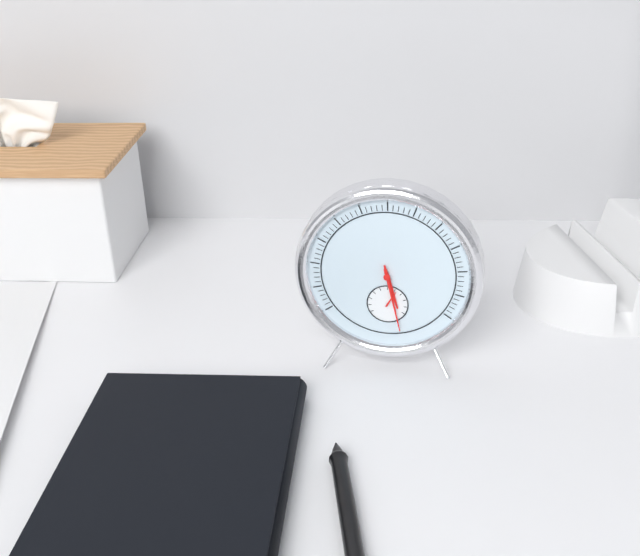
5:28
